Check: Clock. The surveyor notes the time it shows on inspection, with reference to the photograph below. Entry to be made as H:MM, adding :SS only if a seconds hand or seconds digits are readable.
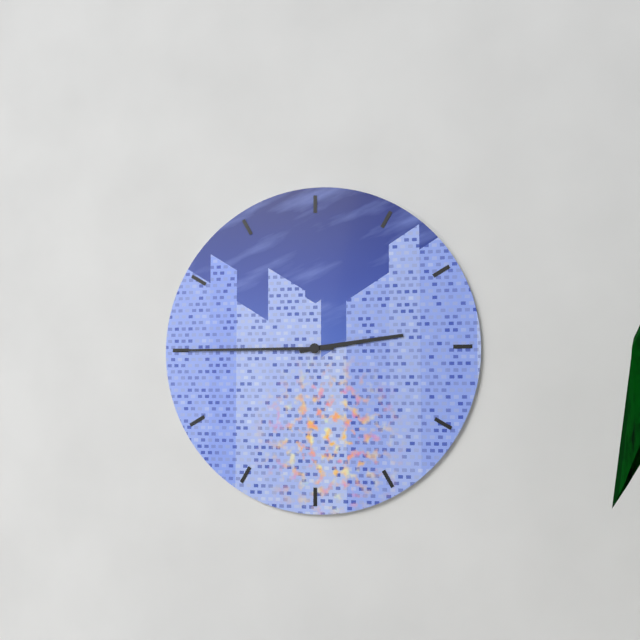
2:45
